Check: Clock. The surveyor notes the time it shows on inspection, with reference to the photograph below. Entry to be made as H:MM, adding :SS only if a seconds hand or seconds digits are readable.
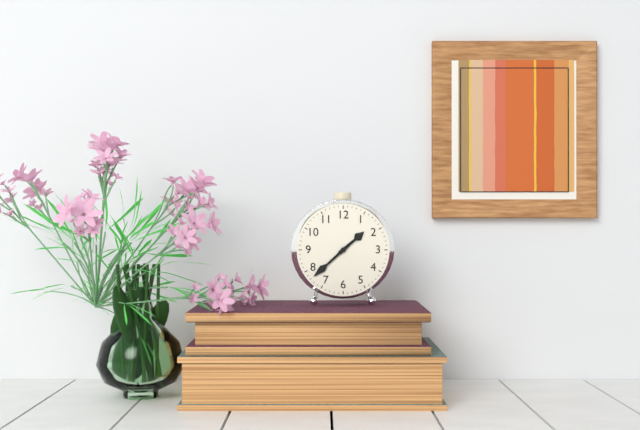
1:38
